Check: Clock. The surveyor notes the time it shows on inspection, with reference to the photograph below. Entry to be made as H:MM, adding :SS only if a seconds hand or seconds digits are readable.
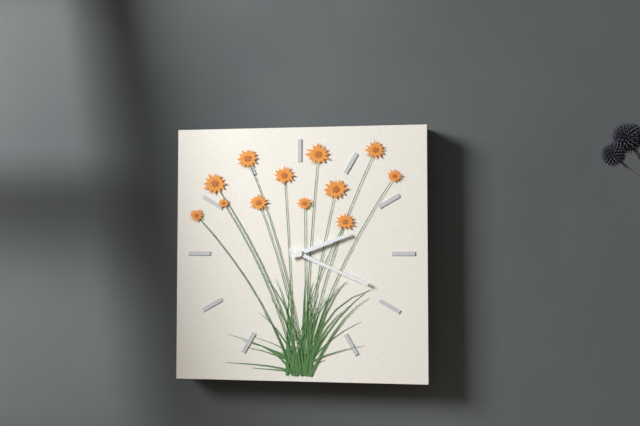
2:19
